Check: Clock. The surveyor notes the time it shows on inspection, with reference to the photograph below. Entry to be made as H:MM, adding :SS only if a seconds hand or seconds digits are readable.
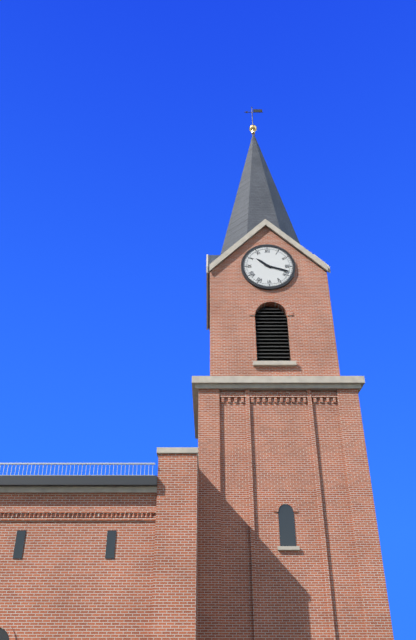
10:18
